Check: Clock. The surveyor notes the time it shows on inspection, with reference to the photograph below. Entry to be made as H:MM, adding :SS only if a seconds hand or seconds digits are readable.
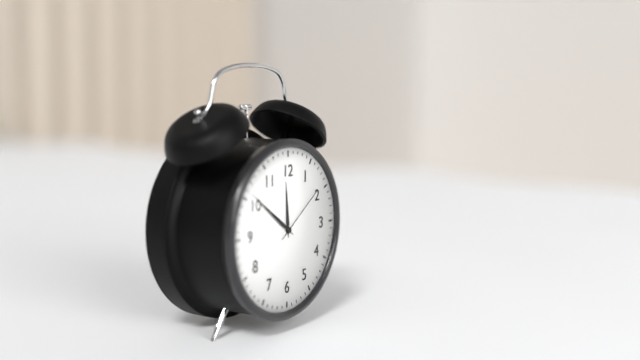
11:51:09
